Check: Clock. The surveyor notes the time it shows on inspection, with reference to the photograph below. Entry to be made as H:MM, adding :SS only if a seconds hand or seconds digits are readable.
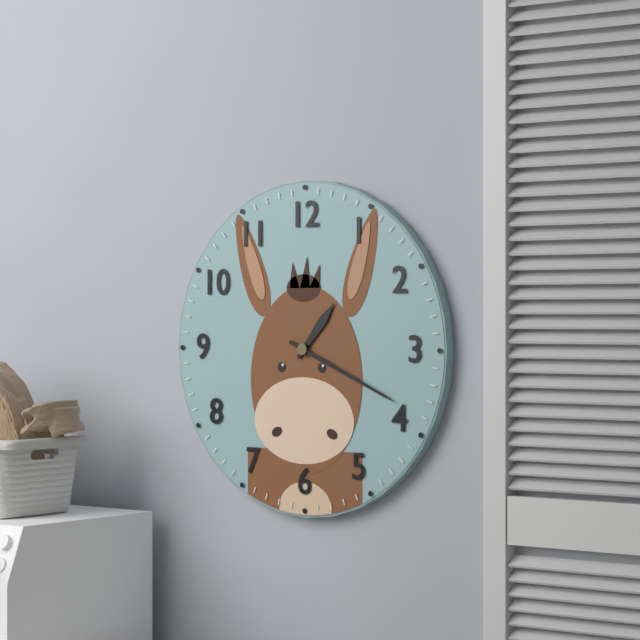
1:19
